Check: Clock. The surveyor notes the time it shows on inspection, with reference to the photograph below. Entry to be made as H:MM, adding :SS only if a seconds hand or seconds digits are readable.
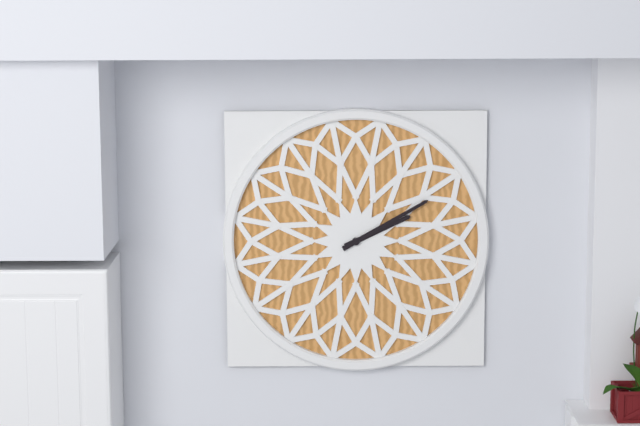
2:10
